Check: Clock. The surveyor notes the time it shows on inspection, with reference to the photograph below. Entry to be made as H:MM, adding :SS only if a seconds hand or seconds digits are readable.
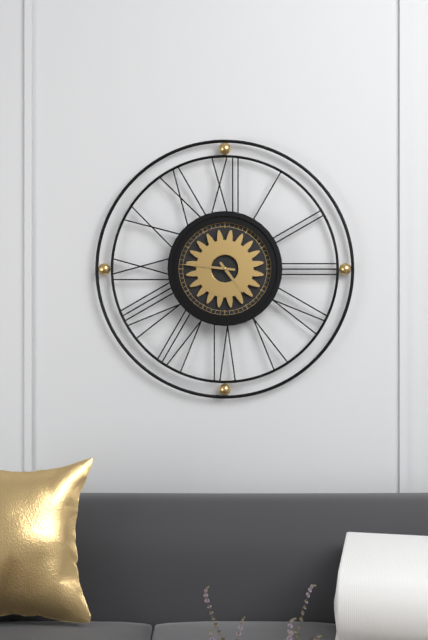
4:46
